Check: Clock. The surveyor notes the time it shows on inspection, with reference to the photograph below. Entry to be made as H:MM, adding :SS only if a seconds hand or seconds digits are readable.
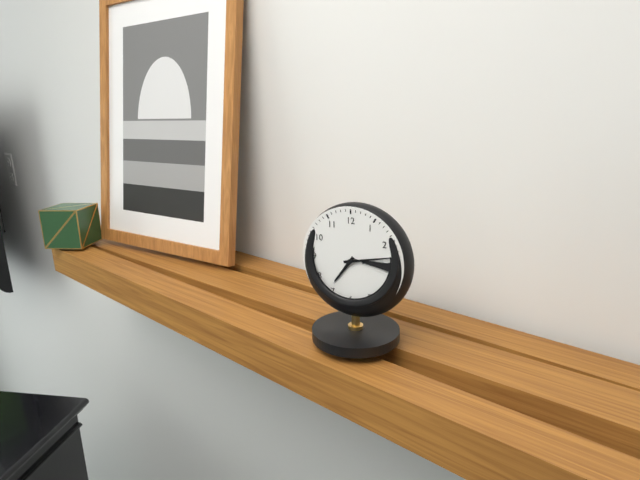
7:13
